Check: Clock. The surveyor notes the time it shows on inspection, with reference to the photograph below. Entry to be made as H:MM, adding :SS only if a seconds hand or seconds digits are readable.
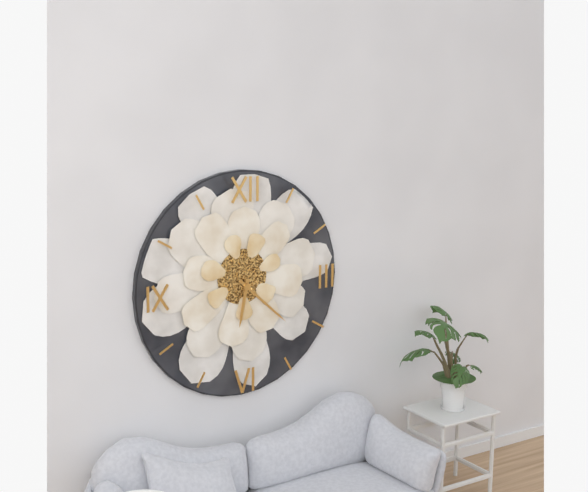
6:22
